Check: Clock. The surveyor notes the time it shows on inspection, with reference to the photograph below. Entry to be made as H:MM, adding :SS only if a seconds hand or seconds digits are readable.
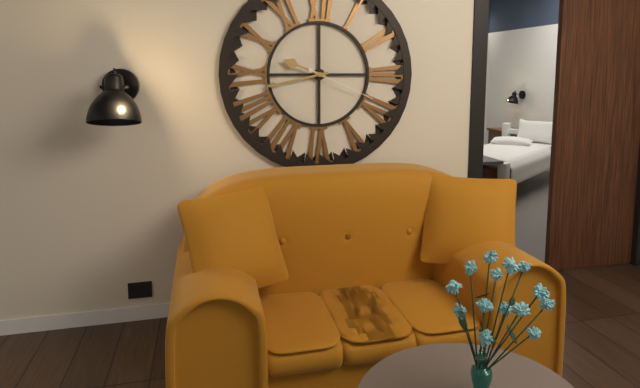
9:43:19
